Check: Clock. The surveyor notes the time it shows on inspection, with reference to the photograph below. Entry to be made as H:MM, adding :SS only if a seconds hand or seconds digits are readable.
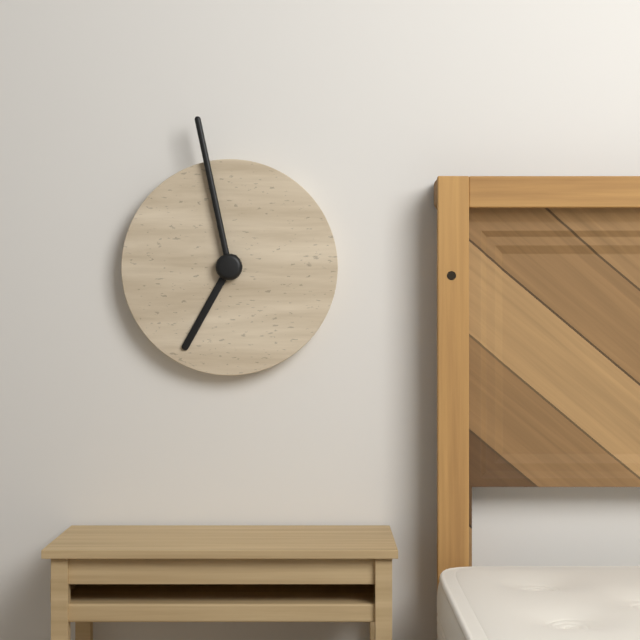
6:58
